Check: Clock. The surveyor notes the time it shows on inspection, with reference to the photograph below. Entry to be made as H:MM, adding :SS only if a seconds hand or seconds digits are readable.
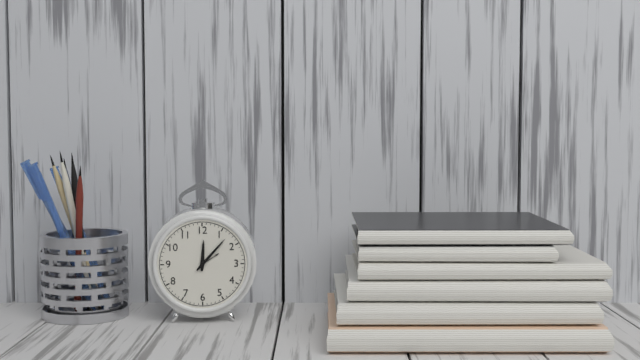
12:07
